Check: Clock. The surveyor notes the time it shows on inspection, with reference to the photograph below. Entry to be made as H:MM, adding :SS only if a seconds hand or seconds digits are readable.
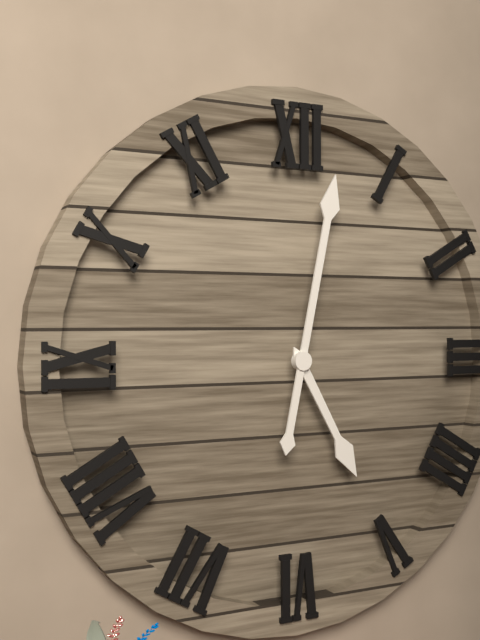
5:02
